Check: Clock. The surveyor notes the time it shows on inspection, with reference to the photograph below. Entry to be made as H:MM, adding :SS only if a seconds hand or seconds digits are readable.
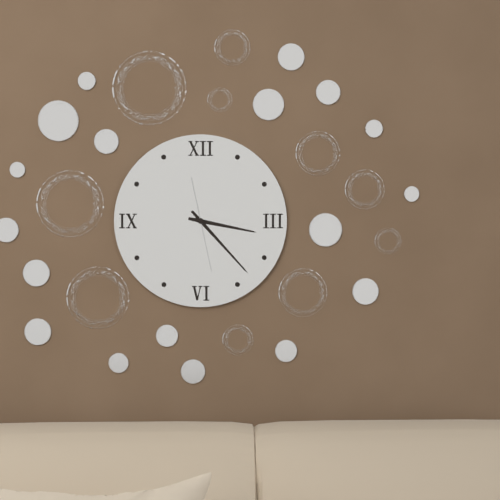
3:23:28
